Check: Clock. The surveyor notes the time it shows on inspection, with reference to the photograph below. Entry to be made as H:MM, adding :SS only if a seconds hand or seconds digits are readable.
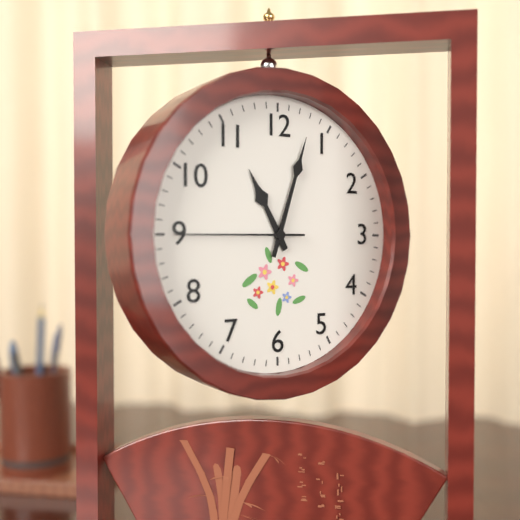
11:03:45
